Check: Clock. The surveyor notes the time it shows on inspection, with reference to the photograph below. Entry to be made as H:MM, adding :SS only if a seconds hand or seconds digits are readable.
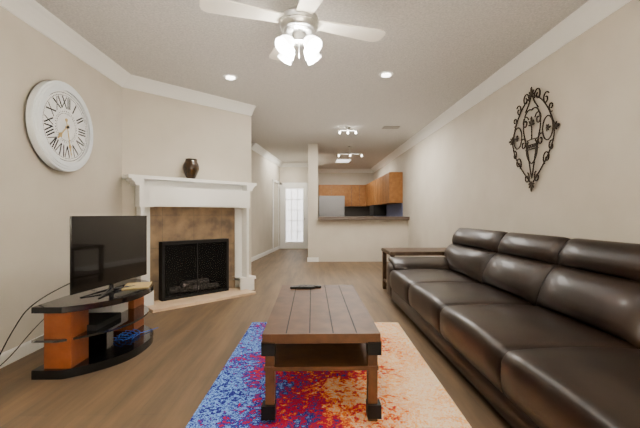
7:28
